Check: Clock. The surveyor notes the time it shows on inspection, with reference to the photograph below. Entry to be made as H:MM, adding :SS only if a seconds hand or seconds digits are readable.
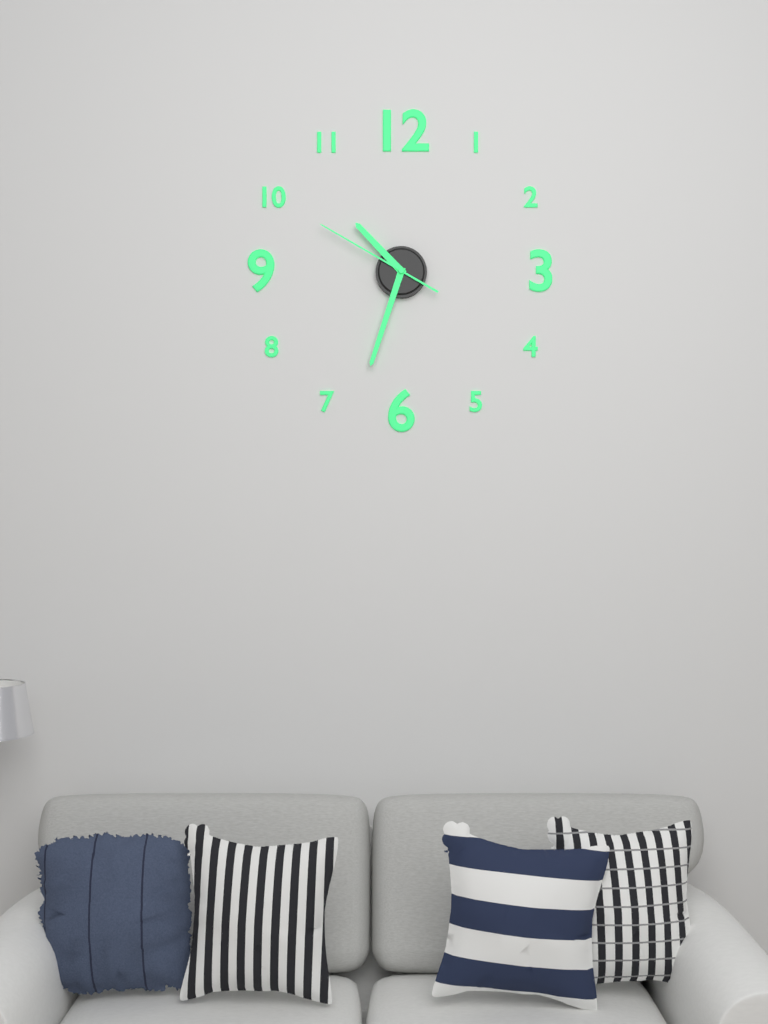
10:33:50
